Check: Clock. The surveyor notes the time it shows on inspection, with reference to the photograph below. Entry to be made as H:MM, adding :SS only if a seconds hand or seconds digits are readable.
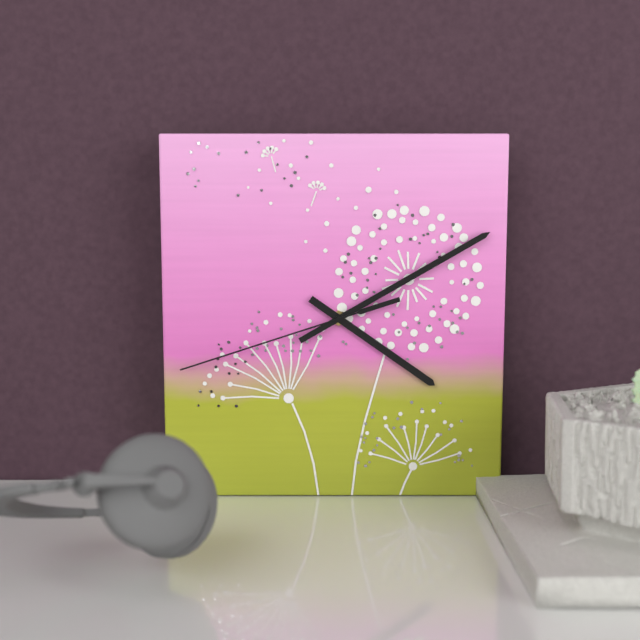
4:10:42
